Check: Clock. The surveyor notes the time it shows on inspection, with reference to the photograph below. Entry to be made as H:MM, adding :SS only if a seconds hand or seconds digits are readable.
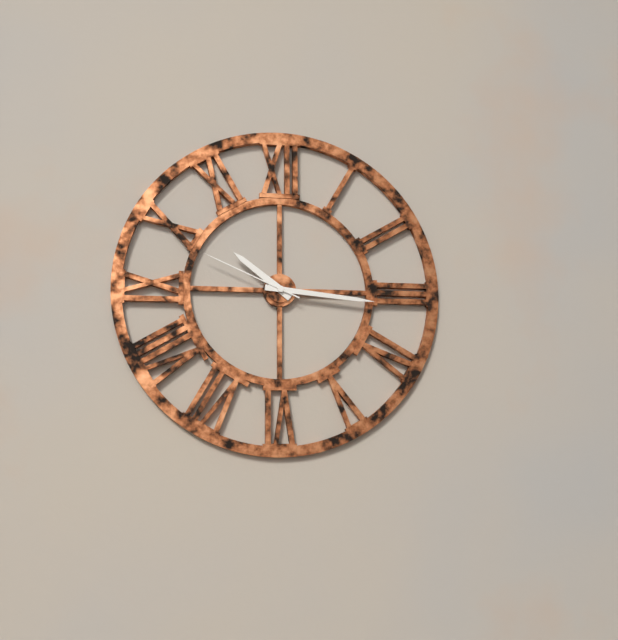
10:16:49
